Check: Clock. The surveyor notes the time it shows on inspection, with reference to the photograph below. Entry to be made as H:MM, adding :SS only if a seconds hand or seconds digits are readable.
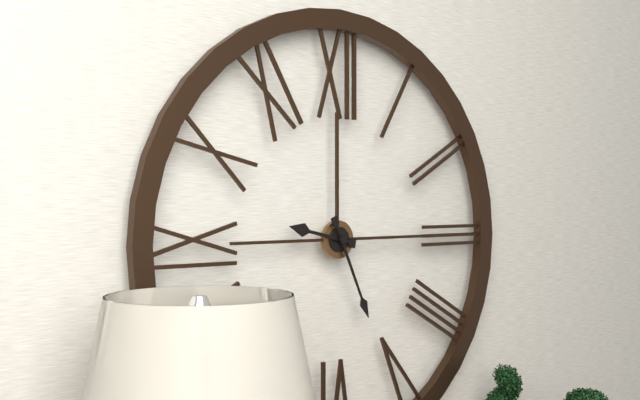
9:26
